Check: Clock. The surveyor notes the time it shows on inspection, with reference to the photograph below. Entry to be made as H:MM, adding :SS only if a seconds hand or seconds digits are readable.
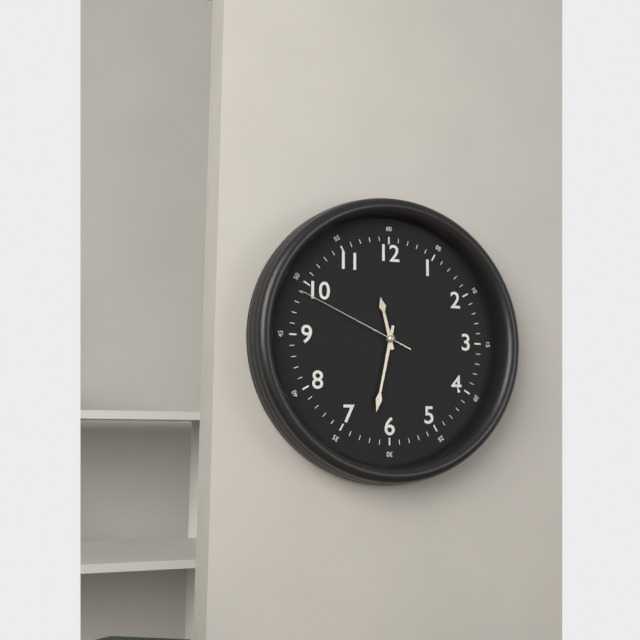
11:32:49
